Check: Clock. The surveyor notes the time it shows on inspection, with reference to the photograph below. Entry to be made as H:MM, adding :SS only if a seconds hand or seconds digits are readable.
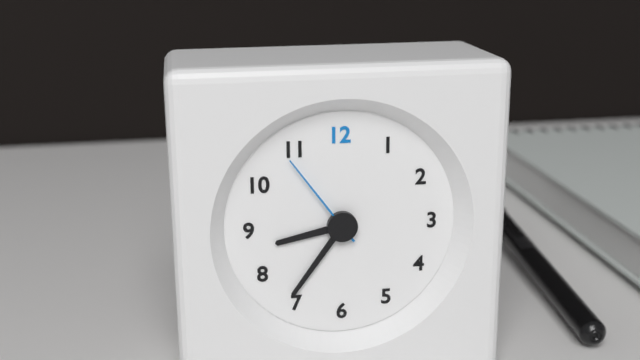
8:36:54
